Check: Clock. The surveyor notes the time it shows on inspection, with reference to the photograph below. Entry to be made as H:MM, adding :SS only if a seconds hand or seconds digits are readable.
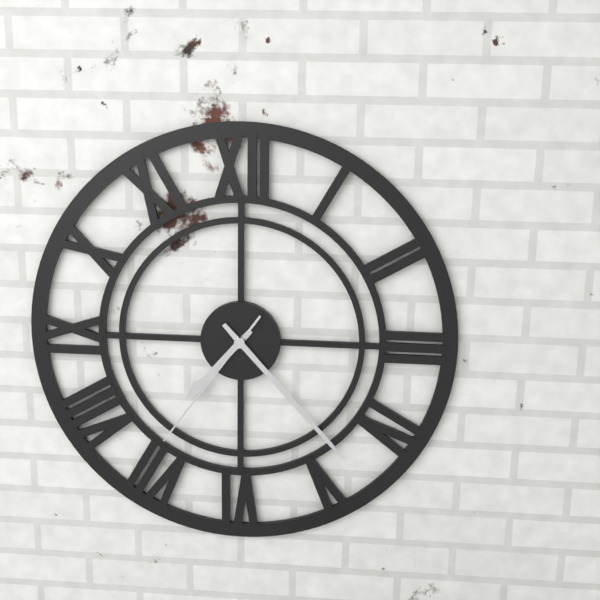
7:23:36
